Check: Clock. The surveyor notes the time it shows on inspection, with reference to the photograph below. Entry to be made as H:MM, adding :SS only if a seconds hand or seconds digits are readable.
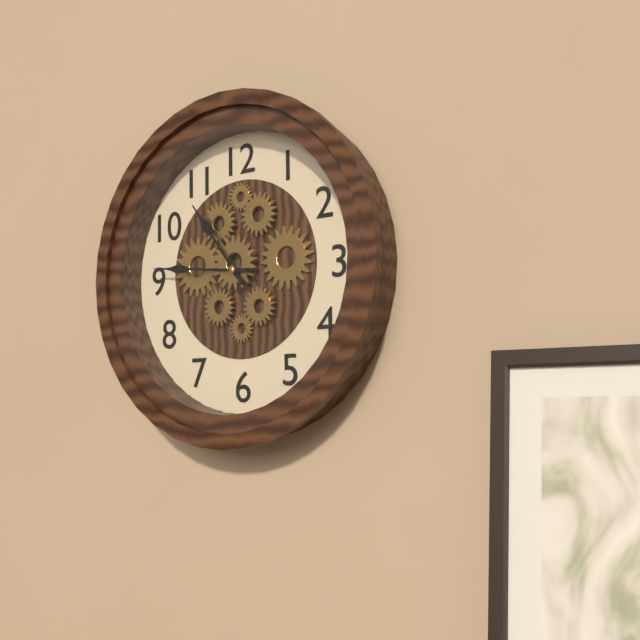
10:46
